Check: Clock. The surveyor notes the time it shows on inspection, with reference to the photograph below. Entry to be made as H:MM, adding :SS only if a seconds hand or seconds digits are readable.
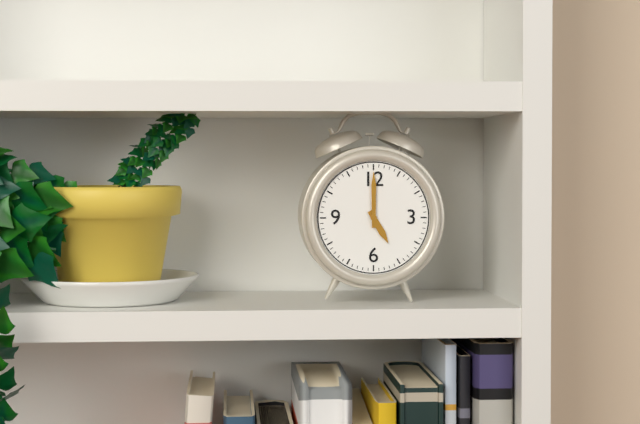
5:00
